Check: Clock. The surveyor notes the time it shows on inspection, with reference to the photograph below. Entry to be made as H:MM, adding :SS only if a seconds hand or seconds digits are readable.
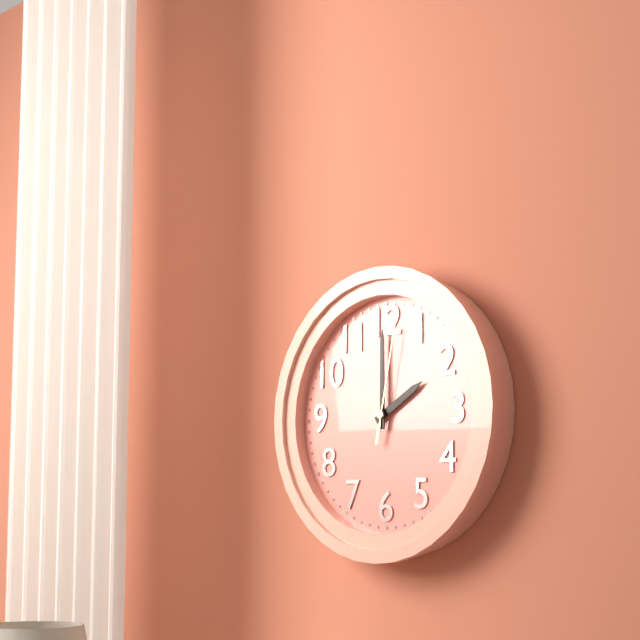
2:00:02
